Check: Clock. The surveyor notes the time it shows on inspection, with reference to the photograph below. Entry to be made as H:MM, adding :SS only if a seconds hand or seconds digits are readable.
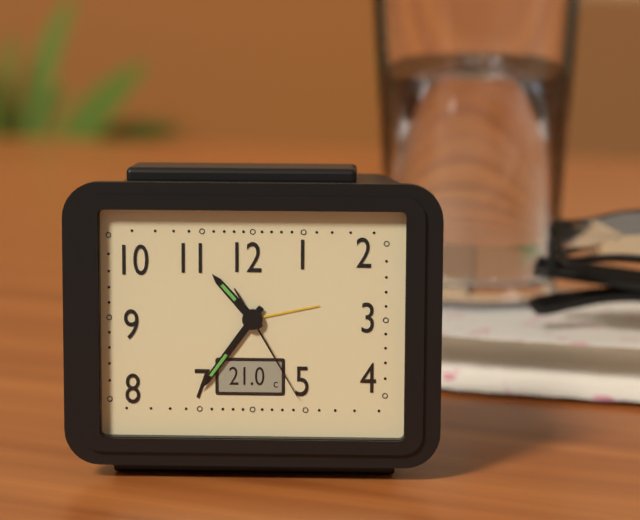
10:36:25
